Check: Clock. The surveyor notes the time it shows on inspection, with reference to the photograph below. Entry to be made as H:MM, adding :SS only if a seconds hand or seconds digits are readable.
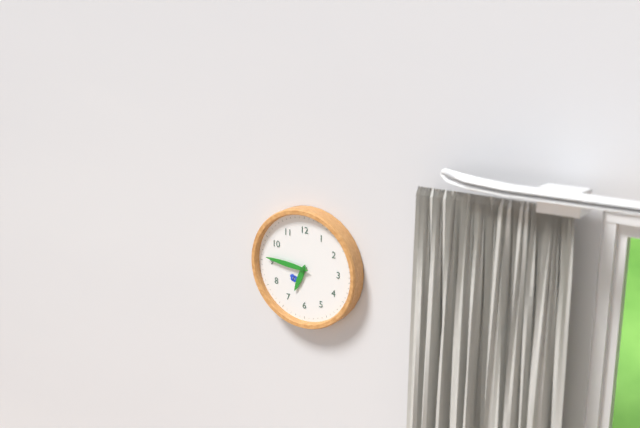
6:46
